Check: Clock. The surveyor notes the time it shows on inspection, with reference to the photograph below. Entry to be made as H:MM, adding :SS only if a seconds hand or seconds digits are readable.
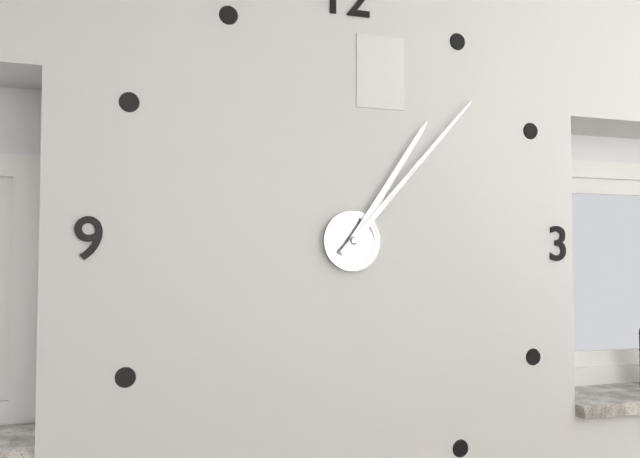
1:07
